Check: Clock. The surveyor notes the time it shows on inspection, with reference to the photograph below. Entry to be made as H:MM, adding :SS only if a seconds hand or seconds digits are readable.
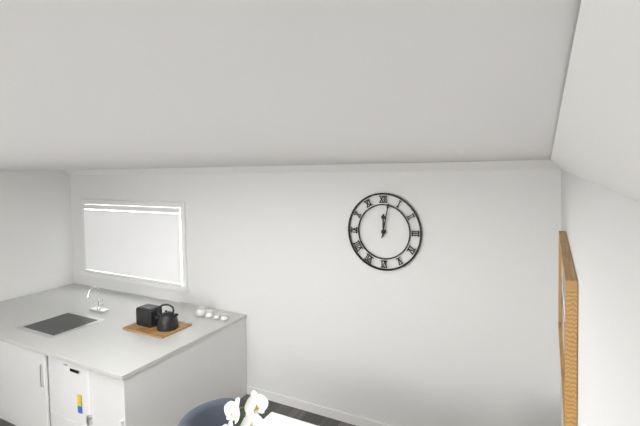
12:02
